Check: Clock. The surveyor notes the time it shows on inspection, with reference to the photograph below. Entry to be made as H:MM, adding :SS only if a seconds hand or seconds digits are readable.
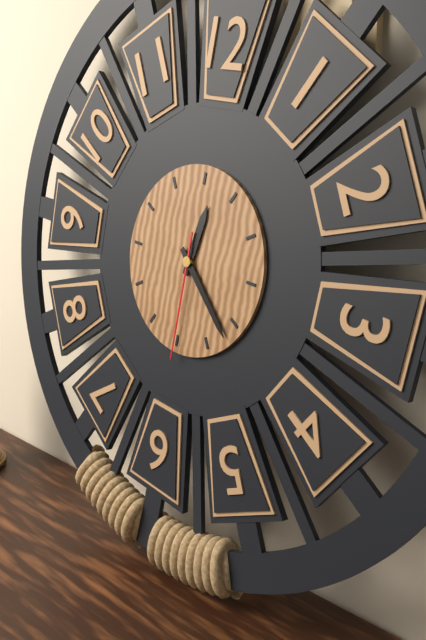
12:22:30
